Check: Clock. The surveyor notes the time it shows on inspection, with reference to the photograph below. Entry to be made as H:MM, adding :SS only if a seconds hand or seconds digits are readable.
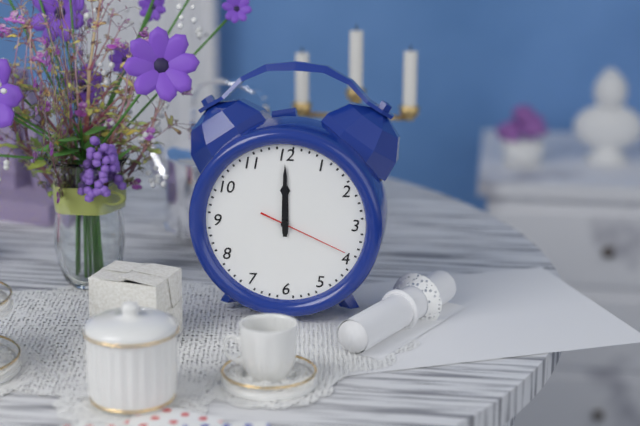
12:00:19
